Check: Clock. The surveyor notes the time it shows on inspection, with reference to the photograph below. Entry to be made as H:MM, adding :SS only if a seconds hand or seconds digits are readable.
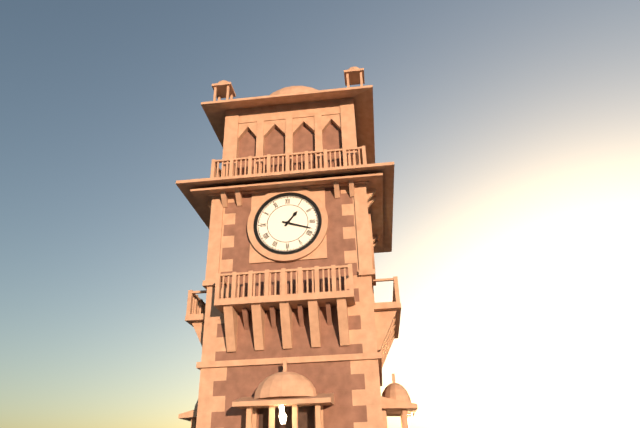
1:18
